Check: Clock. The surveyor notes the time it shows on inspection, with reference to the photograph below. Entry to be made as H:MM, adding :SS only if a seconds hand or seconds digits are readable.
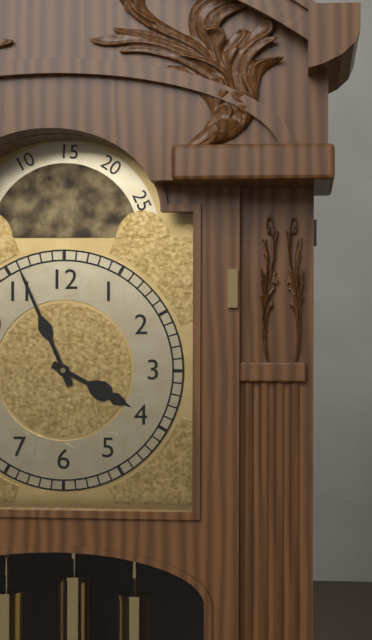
3:56
